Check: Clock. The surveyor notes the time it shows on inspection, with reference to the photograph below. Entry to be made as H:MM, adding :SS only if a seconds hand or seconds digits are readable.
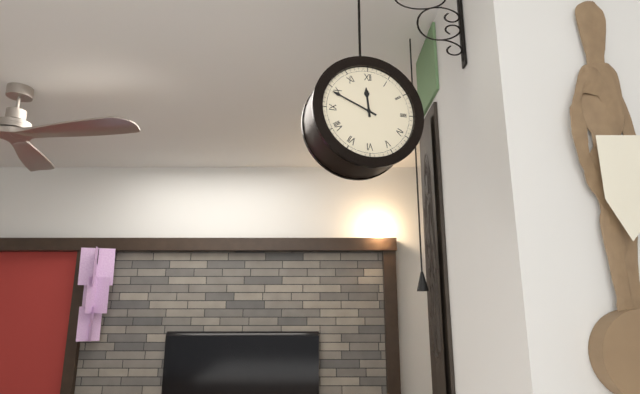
11:49
